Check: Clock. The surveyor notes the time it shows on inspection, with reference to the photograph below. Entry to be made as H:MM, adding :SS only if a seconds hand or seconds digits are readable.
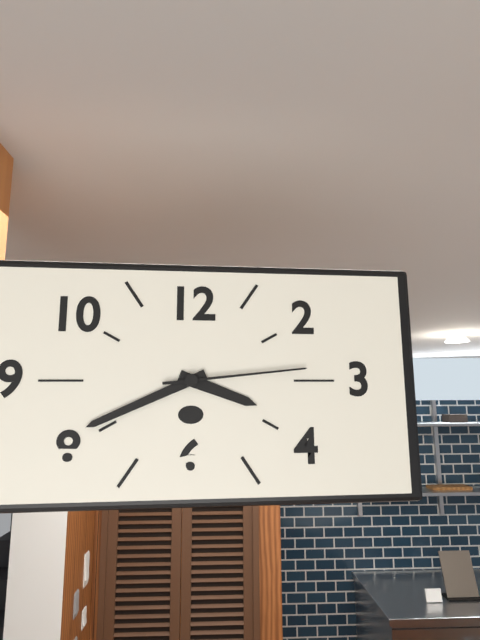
3:41:14
